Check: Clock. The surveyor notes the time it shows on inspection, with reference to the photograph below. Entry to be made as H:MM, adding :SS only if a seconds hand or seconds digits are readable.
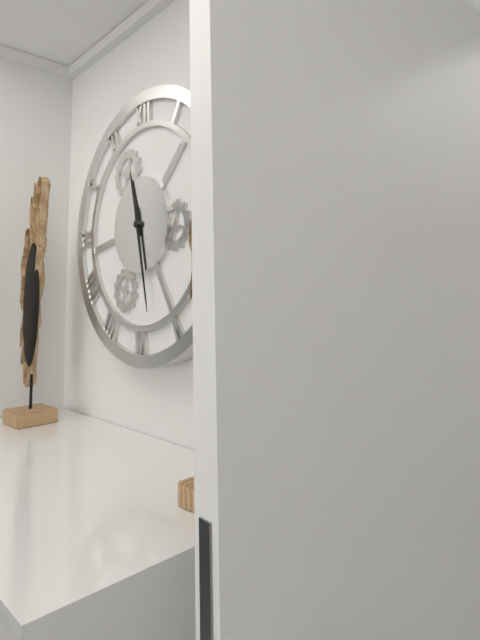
11:28
